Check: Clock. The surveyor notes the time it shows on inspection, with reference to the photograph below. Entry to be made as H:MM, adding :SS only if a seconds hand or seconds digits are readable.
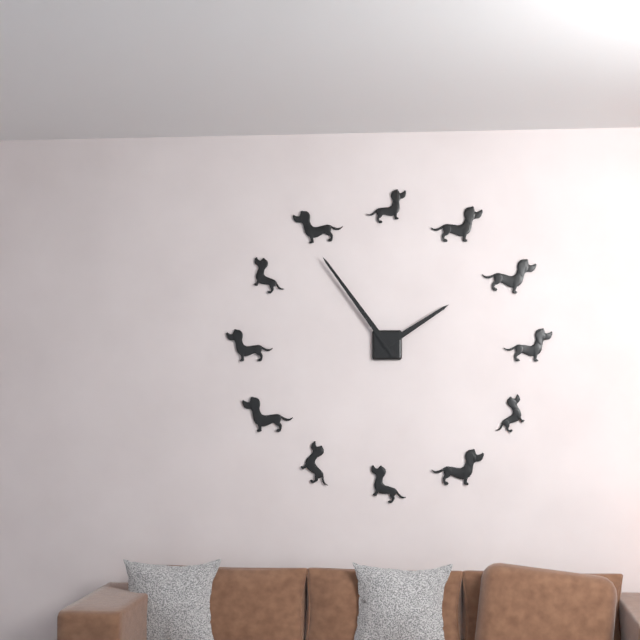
1:54
